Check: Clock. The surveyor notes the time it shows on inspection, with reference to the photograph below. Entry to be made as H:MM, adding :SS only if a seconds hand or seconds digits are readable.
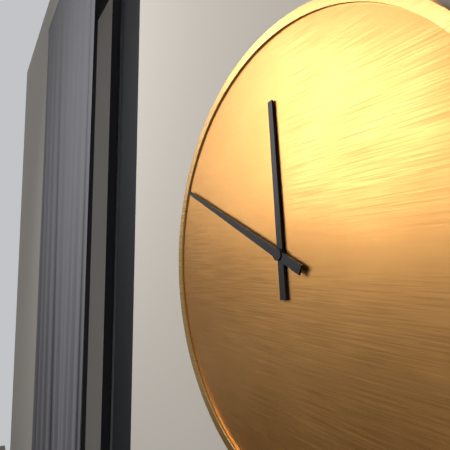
11:49
